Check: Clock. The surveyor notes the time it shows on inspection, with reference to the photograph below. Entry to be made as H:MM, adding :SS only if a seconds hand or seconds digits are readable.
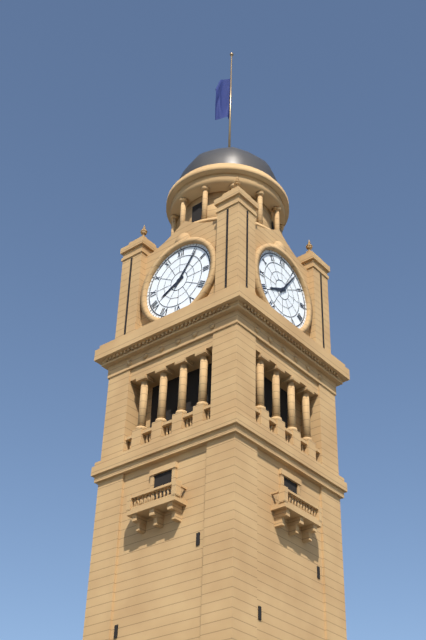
8:06
